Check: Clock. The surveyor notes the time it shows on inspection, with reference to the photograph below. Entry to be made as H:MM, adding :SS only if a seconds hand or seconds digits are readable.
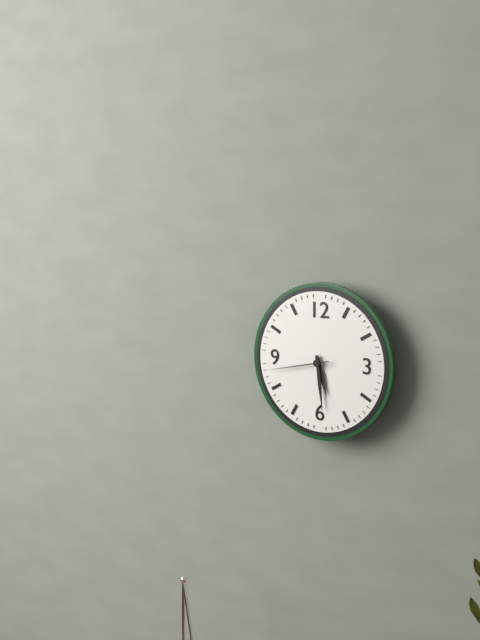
5:29:43
